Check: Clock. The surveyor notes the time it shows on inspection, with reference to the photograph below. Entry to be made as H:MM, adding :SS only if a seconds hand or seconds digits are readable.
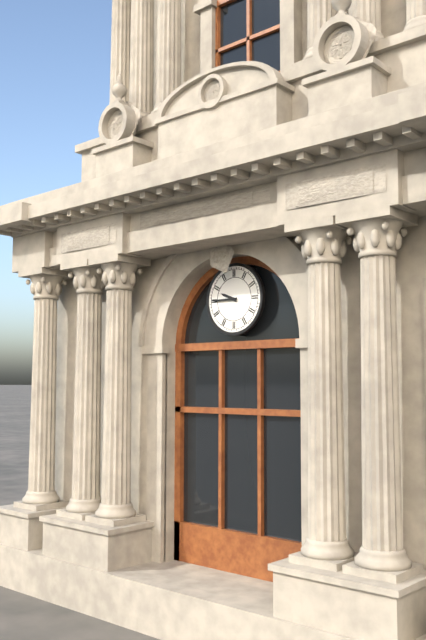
9:45
